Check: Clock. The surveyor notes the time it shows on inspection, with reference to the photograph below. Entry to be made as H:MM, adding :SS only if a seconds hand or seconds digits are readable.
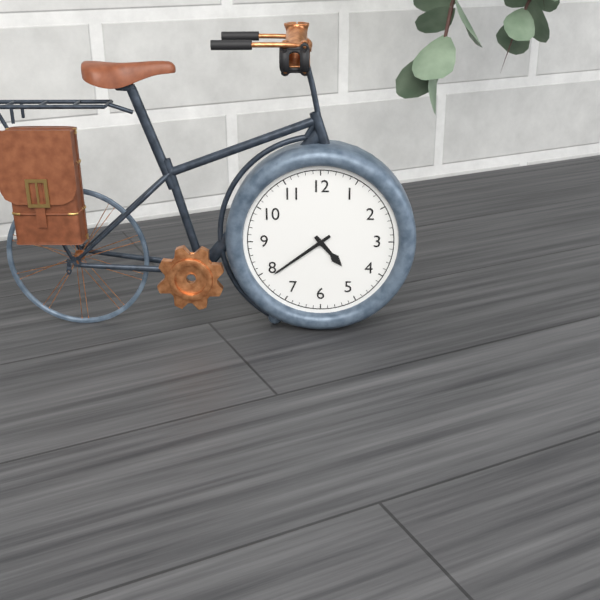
4:39
